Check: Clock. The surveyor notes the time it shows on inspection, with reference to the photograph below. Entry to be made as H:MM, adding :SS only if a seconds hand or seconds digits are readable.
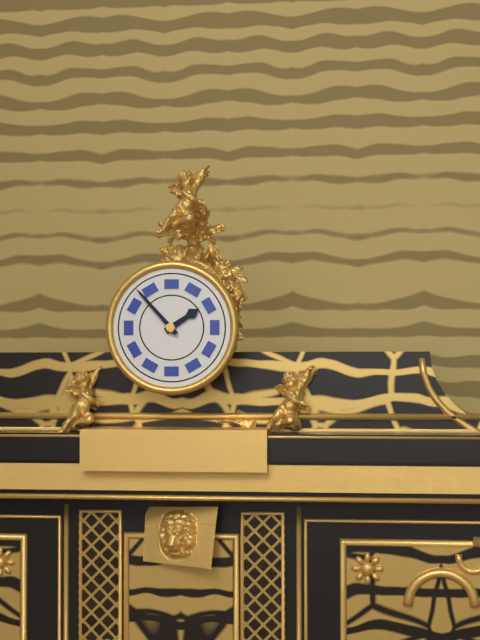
1:53
